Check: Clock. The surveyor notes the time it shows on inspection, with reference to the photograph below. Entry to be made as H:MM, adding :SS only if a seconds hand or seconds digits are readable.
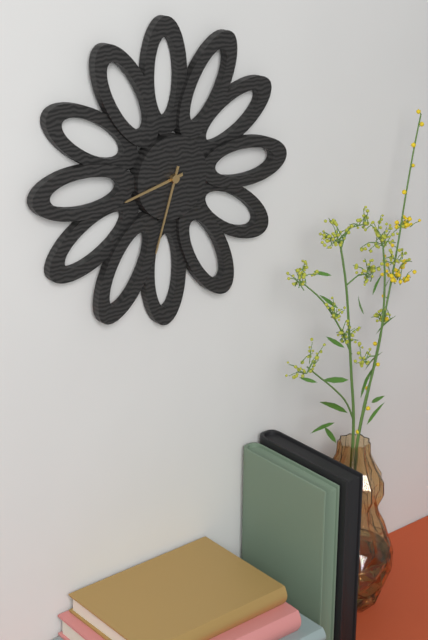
8:33
